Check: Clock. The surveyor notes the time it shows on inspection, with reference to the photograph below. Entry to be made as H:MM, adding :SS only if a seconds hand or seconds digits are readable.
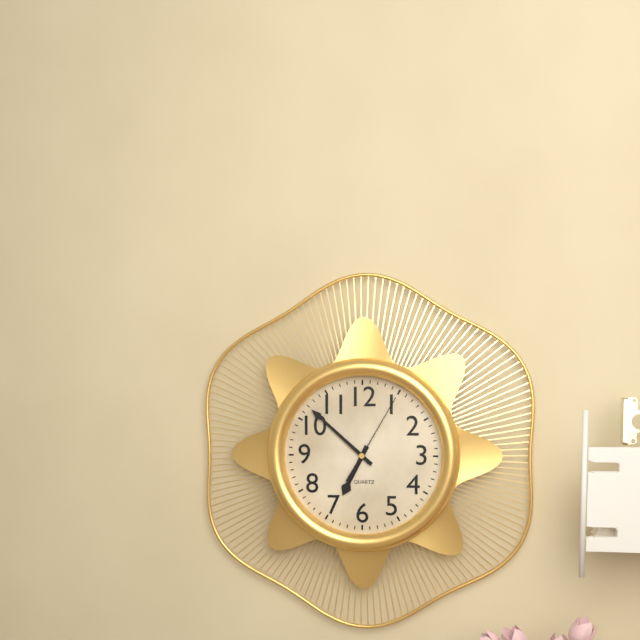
6:52:05
